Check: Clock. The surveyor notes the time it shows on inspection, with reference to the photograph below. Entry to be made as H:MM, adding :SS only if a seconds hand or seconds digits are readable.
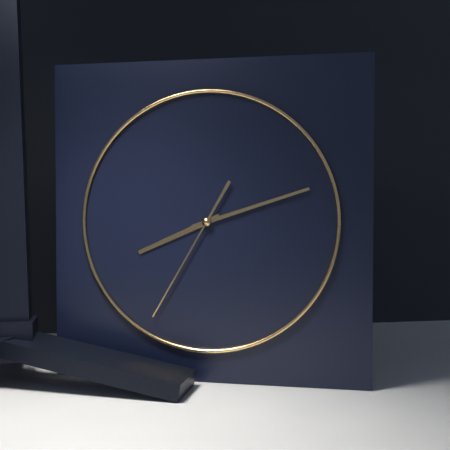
8:12:35
